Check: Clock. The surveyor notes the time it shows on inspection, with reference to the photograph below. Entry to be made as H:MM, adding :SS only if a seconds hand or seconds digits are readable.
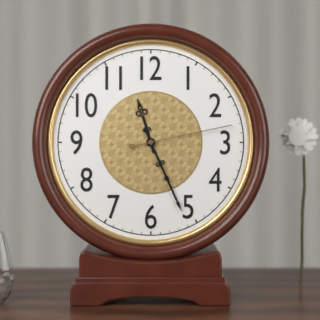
11:26:13
